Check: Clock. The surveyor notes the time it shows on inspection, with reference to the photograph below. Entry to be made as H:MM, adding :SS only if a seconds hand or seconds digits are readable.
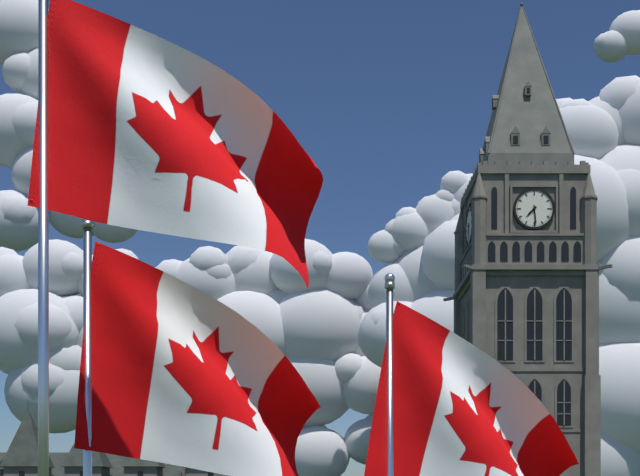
7:29
